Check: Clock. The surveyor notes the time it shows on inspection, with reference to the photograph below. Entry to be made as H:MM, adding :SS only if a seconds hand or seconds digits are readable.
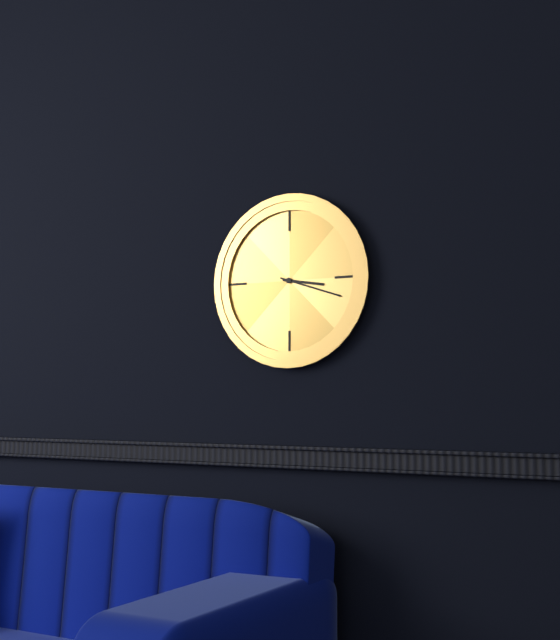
3:18
